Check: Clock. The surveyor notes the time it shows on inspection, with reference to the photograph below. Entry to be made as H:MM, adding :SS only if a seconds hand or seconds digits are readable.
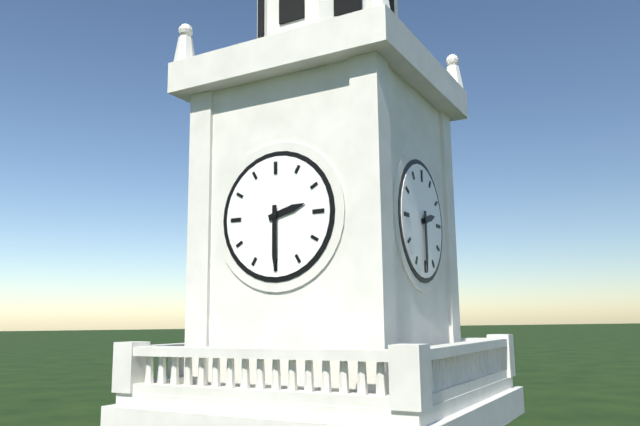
2:30
